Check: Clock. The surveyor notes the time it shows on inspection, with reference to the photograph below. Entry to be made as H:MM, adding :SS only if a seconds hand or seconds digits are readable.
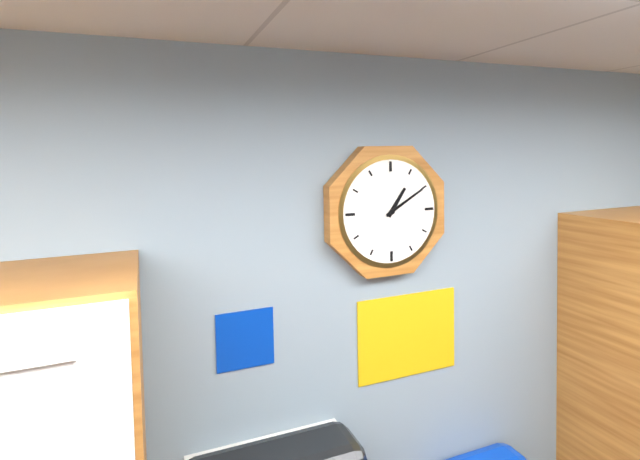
1:10
